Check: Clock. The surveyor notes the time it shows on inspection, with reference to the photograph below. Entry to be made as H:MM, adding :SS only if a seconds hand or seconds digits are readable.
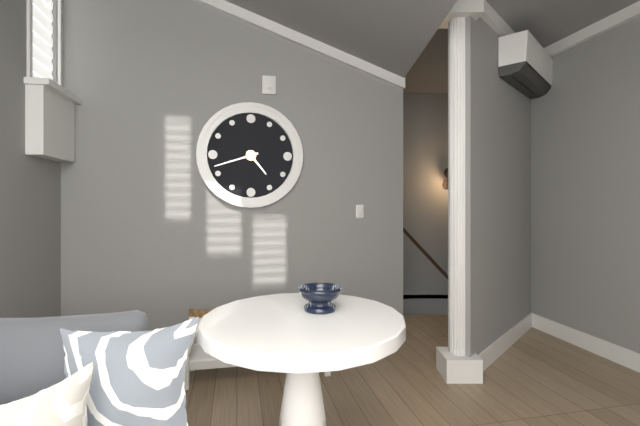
4:42
